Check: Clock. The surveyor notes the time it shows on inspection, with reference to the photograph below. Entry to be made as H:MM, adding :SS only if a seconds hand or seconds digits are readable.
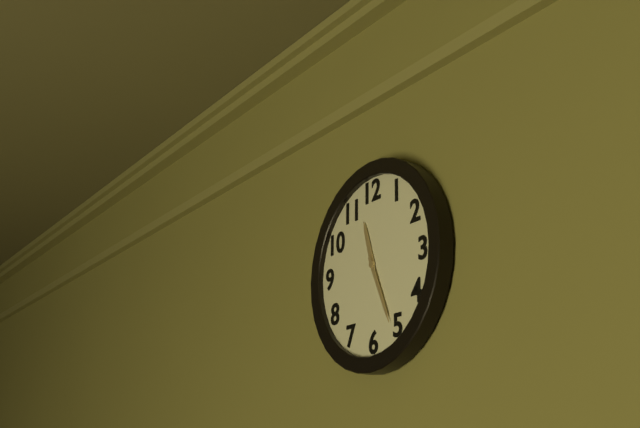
11:26
